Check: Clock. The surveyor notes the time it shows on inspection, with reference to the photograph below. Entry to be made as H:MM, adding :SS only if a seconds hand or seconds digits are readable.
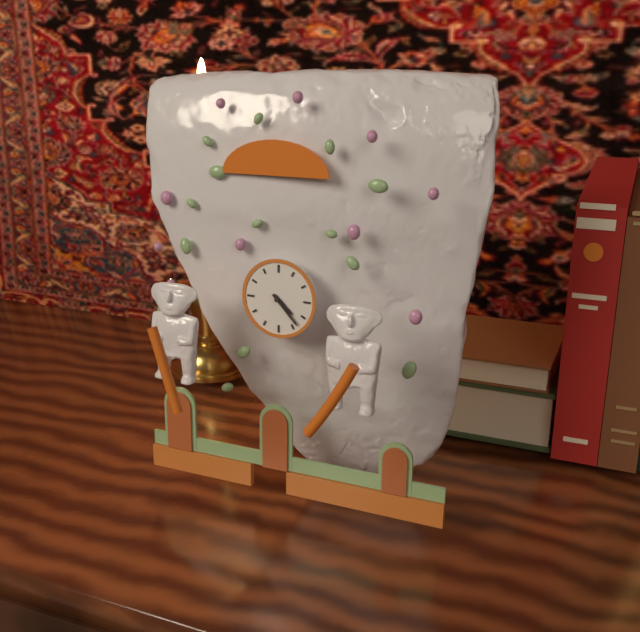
4:23
